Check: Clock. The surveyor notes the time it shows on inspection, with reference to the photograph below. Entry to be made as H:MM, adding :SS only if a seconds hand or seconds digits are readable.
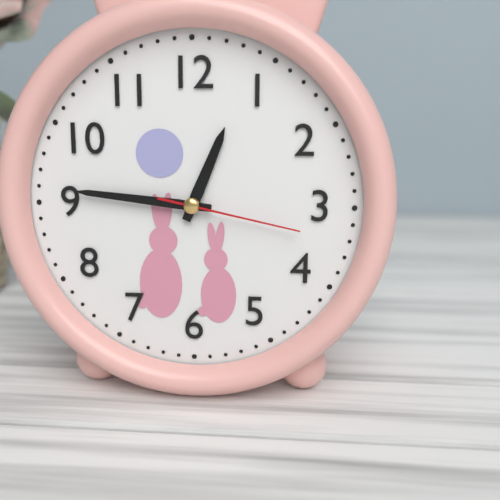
12:46:17
